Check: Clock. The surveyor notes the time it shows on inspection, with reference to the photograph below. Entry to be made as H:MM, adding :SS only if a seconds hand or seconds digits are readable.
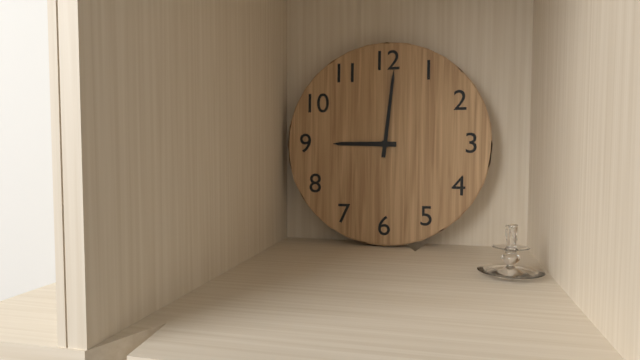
9:01
